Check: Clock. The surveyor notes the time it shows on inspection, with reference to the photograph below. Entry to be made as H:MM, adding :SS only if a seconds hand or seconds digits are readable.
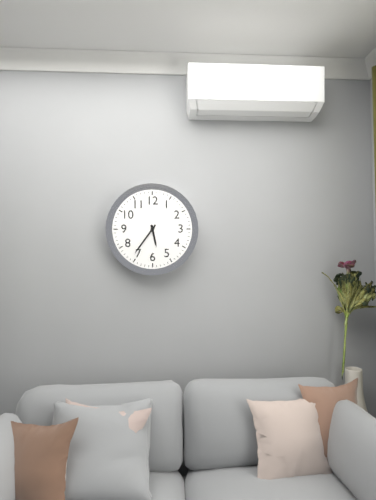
5:36
